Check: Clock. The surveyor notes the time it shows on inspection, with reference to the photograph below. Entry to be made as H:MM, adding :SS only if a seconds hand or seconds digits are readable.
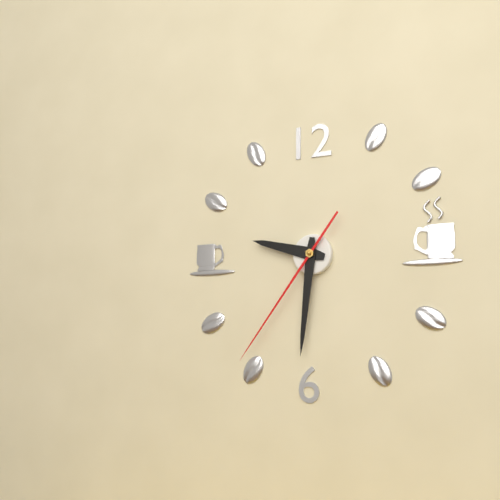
9:31:36
